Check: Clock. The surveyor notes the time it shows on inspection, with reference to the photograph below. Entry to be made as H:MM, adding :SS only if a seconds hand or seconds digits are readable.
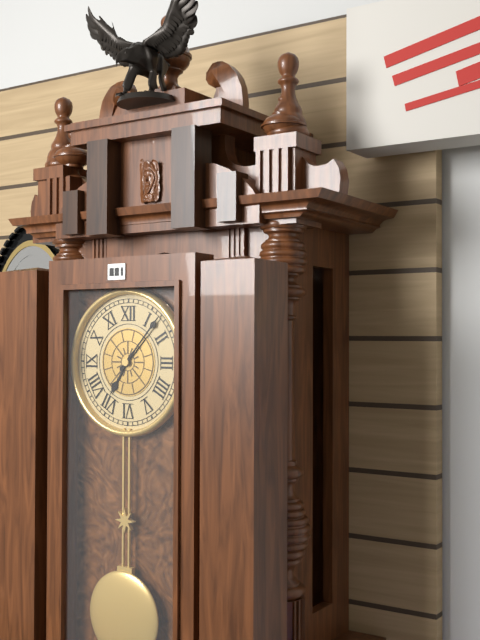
7:07
